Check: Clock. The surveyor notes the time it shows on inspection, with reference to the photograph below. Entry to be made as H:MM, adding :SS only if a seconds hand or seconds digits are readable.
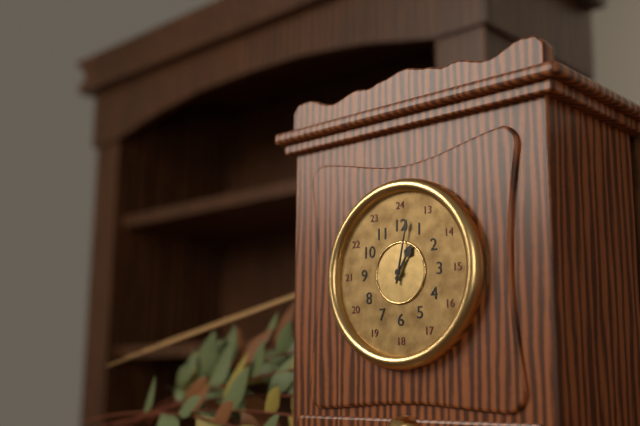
1:02
